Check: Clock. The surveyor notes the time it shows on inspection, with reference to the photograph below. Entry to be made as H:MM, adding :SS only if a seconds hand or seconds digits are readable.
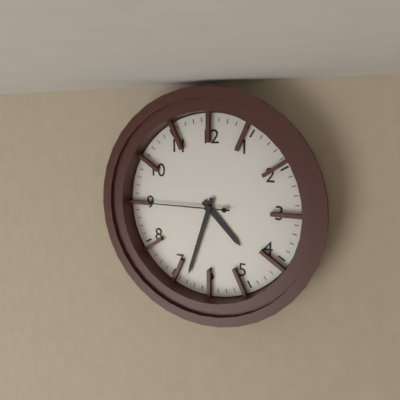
4:33:45
